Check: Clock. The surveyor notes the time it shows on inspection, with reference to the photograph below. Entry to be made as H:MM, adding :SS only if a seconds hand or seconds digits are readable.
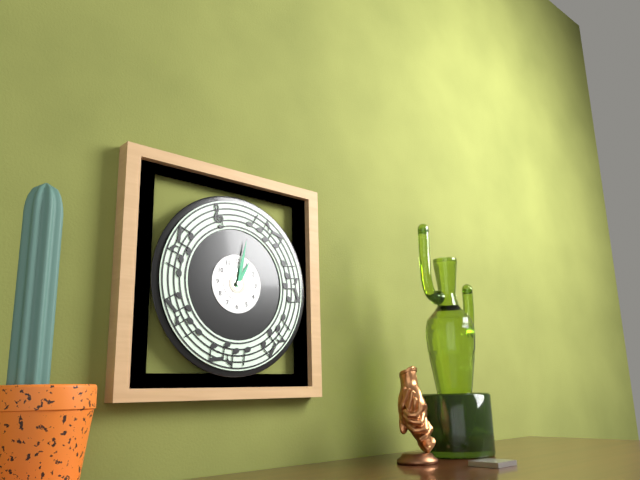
1:02
